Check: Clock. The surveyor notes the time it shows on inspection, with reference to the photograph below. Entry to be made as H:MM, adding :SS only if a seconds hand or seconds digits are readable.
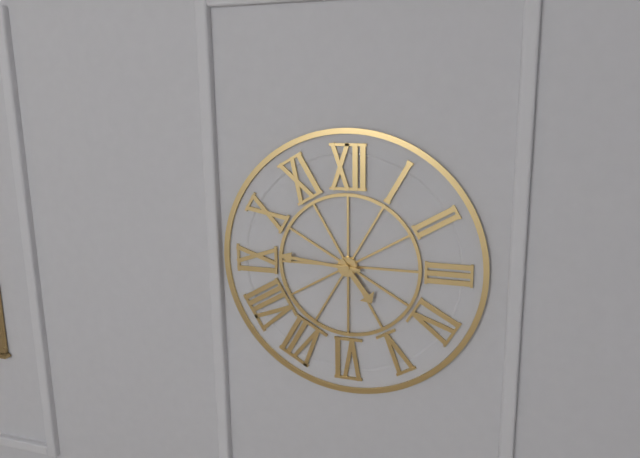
4:46
